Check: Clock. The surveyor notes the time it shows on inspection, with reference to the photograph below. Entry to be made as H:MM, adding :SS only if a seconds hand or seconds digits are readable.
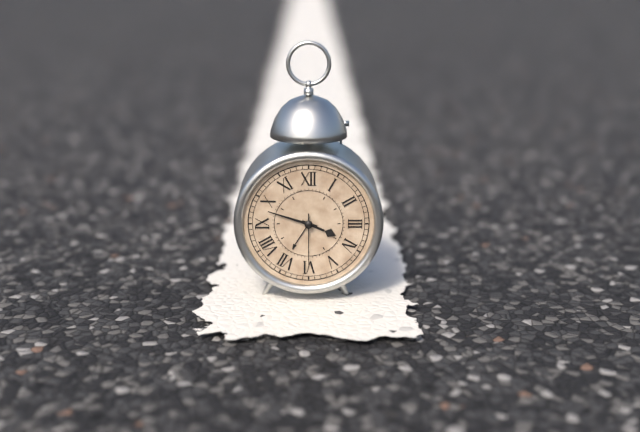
3:48:30
